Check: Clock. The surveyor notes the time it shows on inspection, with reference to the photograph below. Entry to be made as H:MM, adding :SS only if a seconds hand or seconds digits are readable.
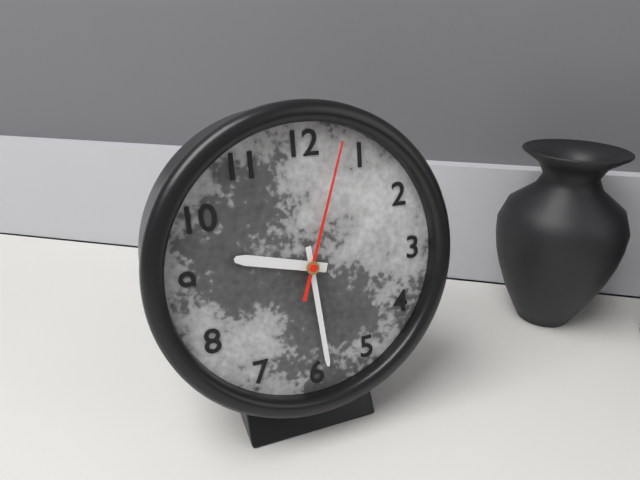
9:29:03
